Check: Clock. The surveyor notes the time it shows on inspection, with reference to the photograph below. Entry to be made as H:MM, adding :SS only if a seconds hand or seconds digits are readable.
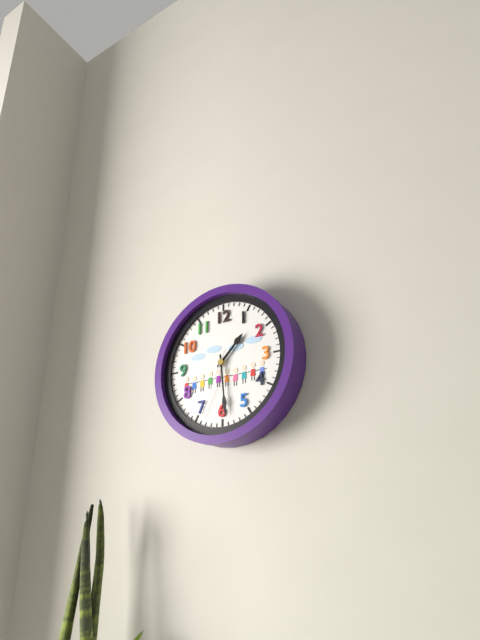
1:29:34
